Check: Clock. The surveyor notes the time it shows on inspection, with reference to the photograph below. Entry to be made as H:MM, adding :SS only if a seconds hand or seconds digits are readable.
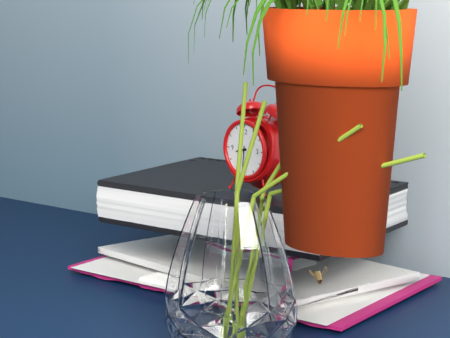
8:31
